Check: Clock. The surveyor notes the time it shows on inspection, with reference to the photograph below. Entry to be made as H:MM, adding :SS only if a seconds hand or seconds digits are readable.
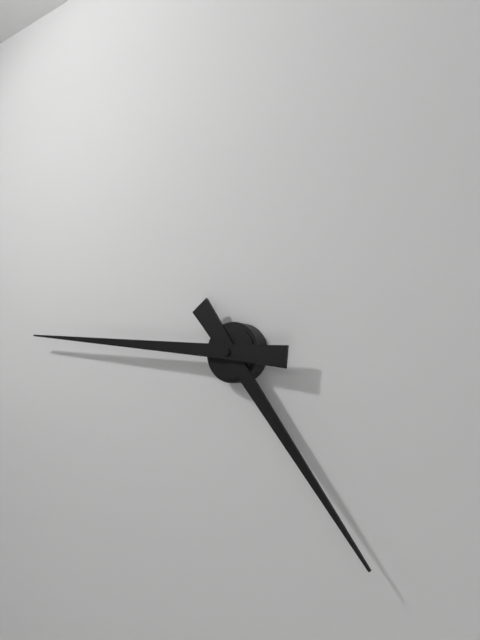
4:46
